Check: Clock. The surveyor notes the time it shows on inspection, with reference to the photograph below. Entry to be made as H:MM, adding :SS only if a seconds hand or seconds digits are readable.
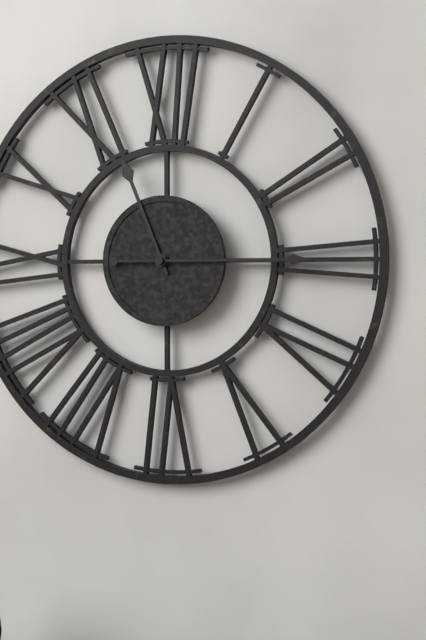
11:15
